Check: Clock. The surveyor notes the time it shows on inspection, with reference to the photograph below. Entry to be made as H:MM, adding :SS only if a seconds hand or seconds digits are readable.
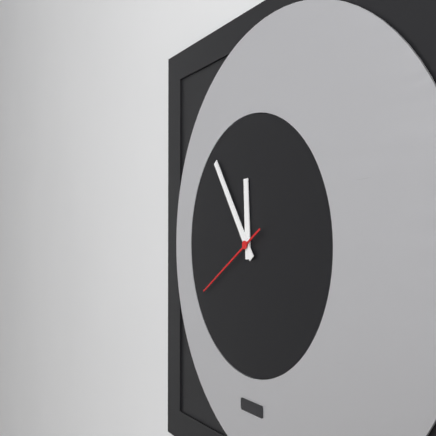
11:54:40
